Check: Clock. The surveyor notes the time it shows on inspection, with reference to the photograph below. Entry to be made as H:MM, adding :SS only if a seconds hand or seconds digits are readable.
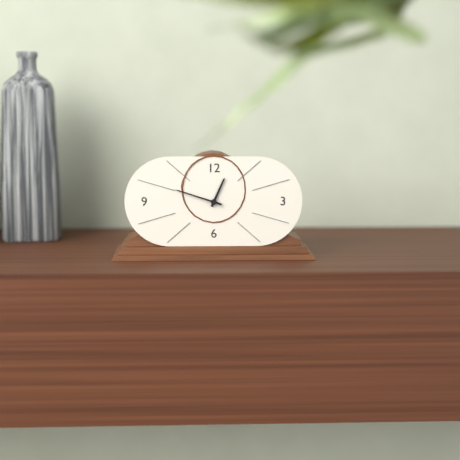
12:48
